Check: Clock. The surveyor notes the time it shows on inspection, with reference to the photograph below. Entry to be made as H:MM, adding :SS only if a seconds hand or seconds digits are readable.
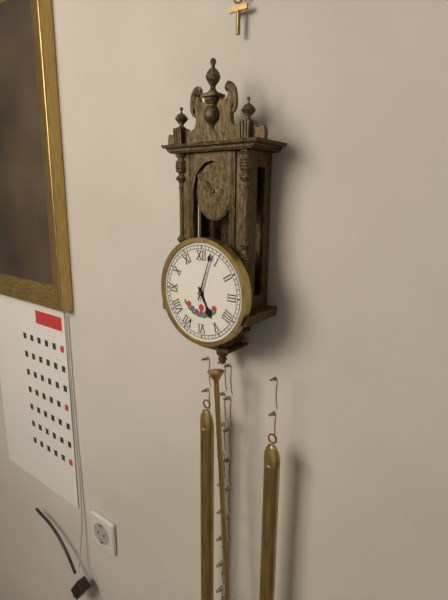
5:03
